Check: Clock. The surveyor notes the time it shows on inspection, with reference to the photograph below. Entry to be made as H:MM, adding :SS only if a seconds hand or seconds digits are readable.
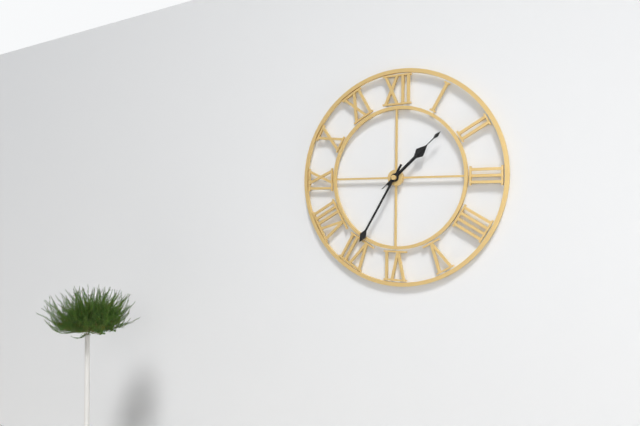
1:35:08
